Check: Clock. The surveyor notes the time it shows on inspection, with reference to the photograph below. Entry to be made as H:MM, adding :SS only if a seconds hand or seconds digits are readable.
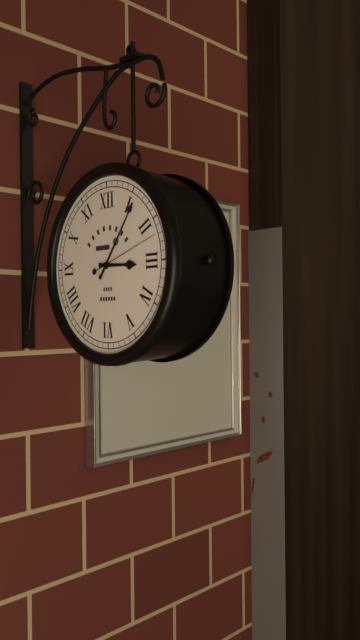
3:06:12
